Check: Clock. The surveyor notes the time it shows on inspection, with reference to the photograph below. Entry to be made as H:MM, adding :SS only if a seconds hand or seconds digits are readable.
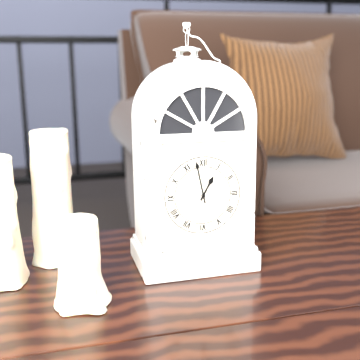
12:58
